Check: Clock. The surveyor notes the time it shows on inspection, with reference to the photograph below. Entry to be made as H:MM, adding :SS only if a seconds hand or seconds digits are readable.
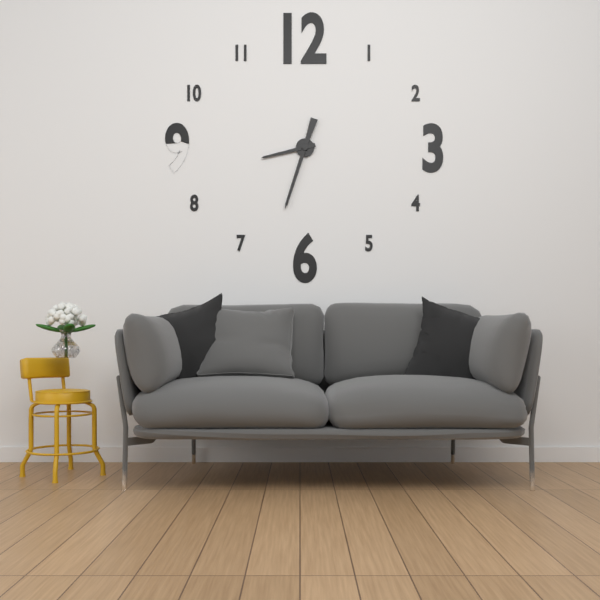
8:33
